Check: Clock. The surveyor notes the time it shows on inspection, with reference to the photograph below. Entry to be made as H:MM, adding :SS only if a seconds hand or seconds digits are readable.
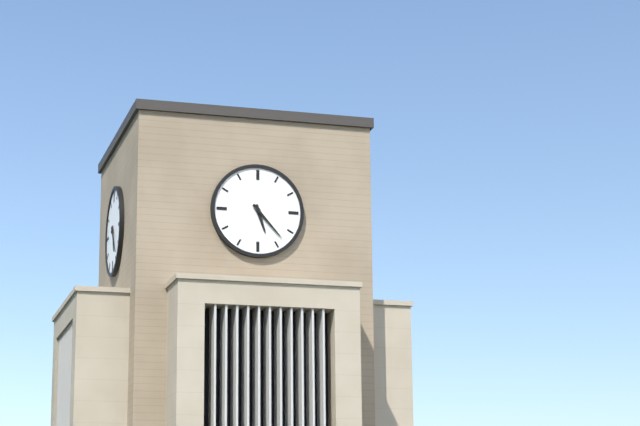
5:23
